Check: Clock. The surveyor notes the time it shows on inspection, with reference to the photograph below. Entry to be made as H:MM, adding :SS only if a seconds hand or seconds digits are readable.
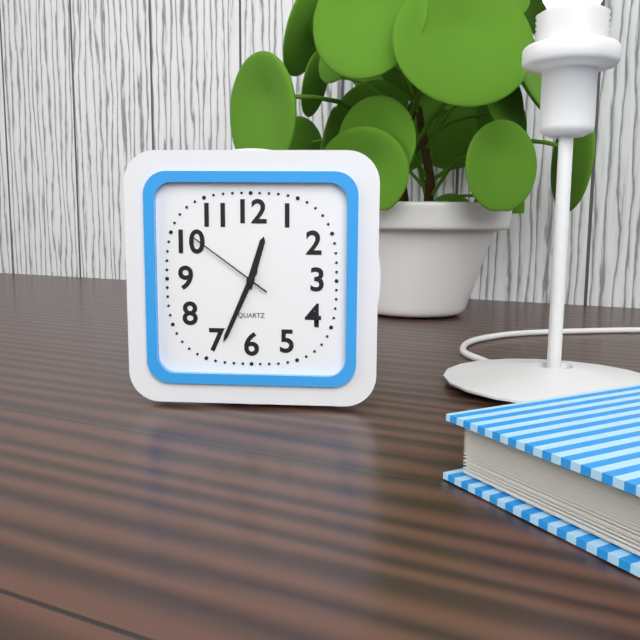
12:34:51
